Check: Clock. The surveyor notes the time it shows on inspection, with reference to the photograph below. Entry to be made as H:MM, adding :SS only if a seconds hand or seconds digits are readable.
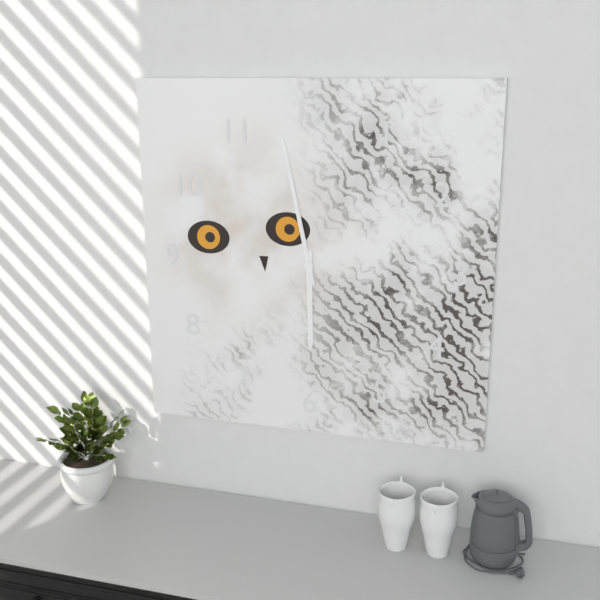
5:58
